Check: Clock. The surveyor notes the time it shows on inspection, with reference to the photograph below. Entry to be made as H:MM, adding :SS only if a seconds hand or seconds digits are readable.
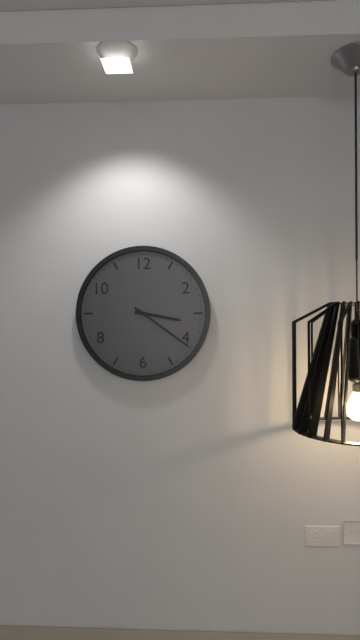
3:21
